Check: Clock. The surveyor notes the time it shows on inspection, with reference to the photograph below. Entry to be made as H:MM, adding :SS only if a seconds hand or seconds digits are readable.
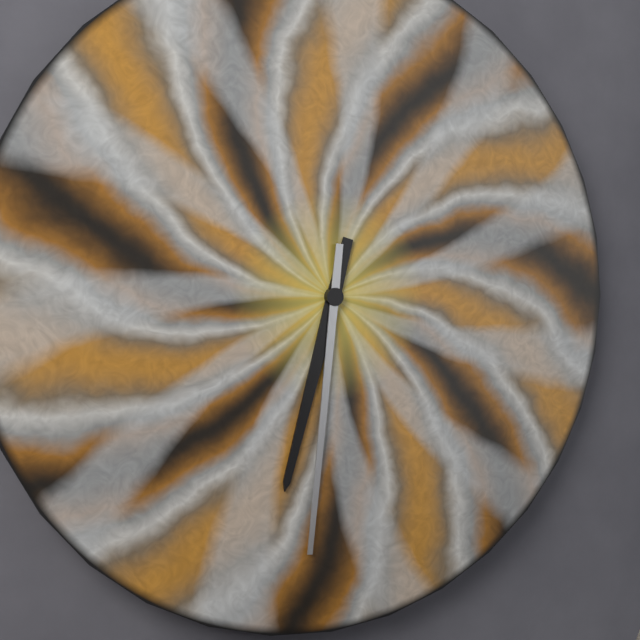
6:31
